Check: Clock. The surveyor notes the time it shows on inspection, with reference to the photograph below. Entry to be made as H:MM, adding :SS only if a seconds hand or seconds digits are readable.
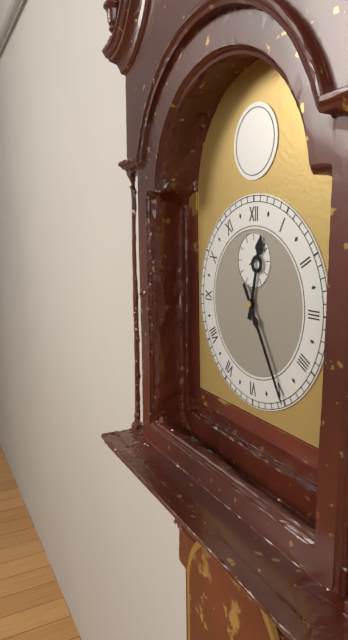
12:25
